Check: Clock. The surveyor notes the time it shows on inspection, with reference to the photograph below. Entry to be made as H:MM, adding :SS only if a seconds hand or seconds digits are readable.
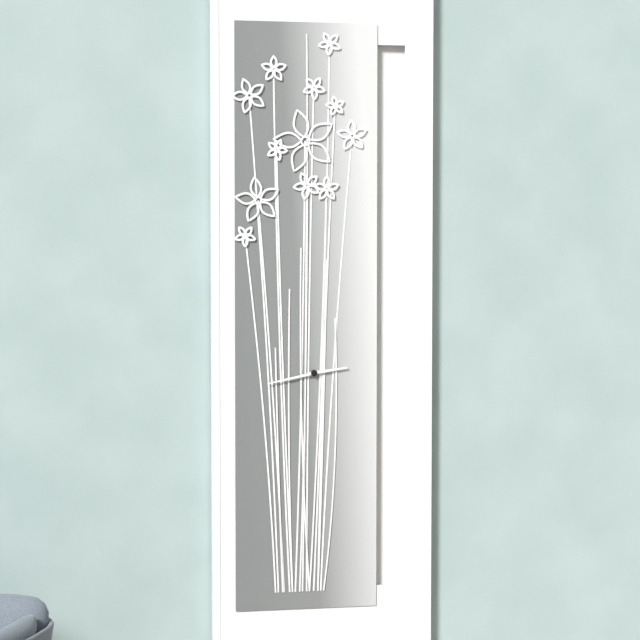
2:43
